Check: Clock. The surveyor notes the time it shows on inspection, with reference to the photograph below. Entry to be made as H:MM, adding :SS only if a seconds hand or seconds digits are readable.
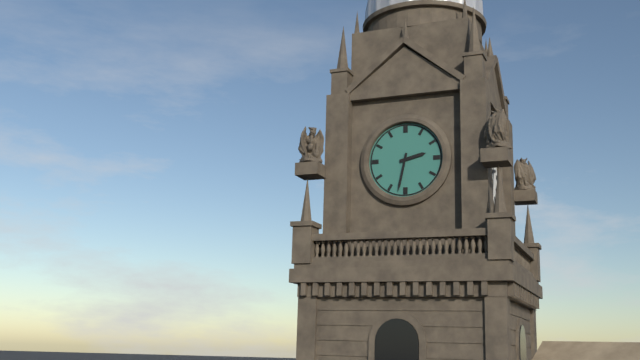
2:32
